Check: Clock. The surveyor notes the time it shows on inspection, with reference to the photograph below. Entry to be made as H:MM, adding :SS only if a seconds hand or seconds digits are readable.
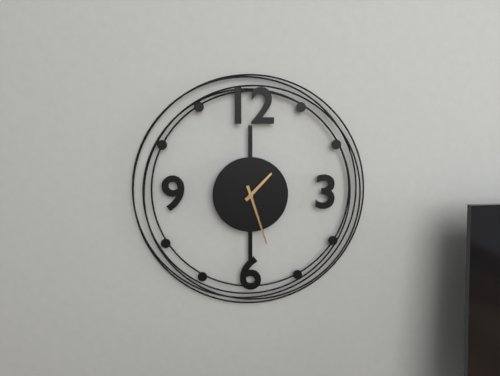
1:27
